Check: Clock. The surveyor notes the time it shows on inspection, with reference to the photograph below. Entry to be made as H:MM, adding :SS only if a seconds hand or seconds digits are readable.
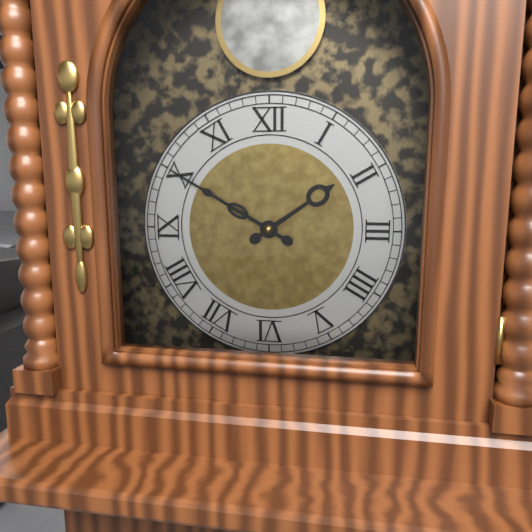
1:50
